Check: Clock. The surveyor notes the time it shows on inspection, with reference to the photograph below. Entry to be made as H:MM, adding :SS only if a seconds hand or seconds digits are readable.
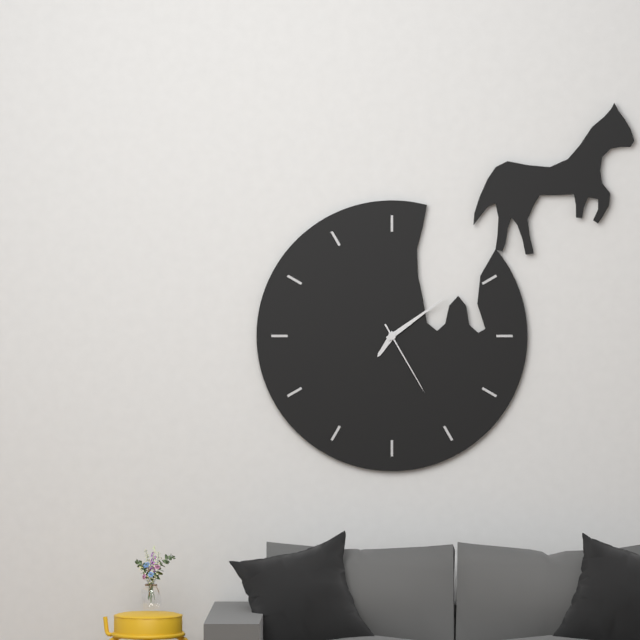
7:09:25
